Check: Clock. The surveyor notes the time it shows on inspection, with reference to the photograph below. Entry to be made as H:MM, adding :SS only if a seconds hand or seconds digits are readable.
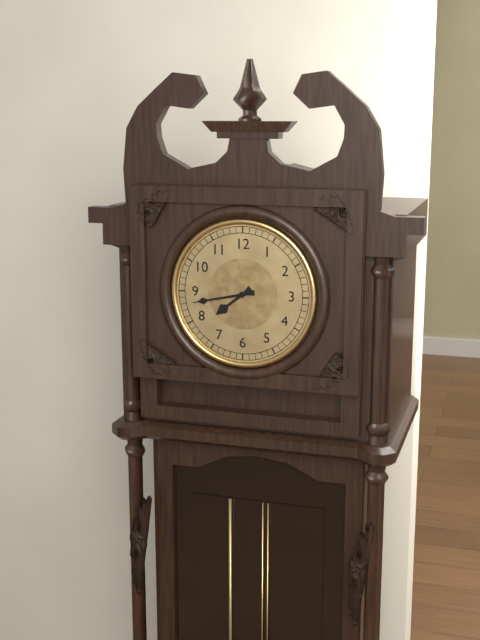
7:43
